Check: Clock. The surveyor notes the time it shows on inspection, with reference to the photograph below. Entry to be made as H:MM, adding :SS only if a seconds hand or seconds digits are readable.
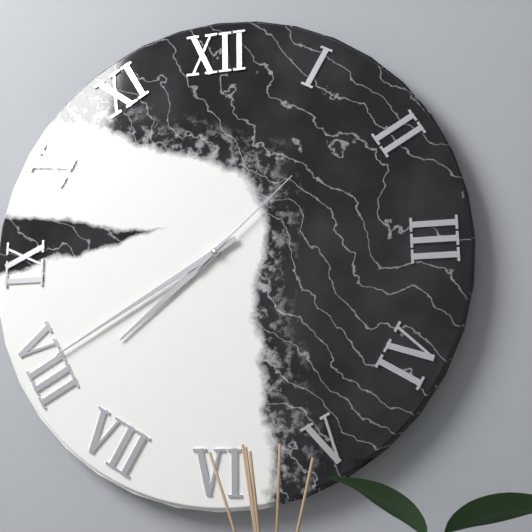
7:40:08
